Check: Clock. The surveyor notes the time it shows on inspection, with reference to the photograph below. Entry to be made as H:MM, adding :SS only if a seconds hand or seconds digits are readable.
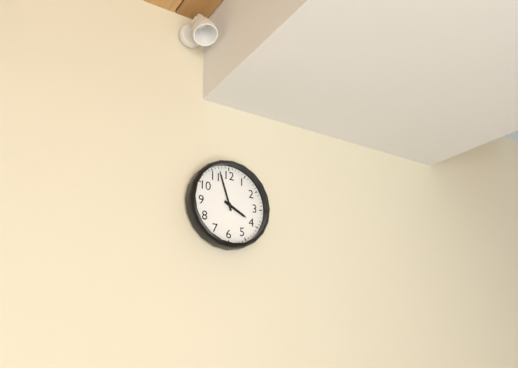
3:57
